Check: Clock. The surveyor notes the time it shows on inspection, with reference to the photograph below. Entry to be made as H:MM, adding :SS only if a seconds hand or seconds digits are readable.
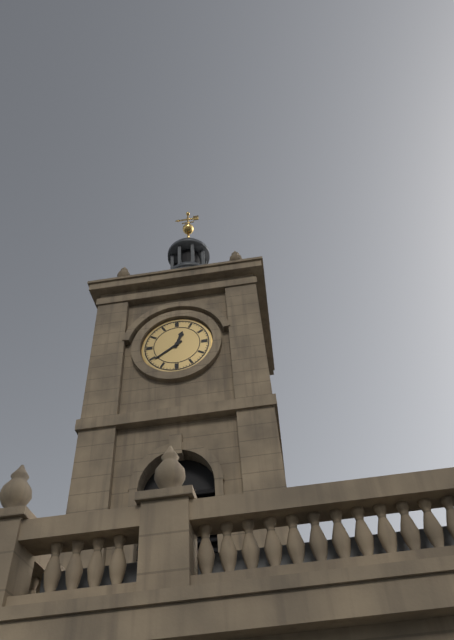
12:39
